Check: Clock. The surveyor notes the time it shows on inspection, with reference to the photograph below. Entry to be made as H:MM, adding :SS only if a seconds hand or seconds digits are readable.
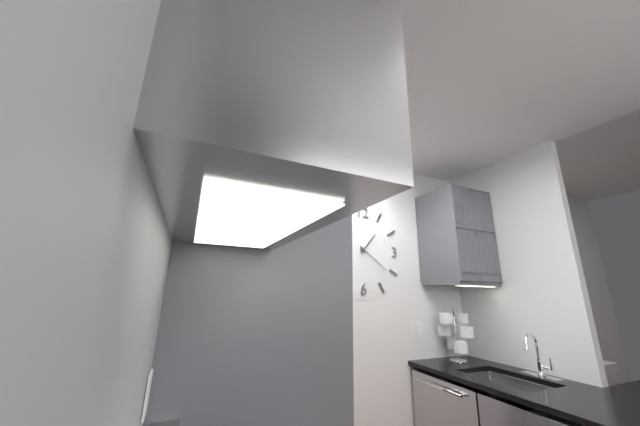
1:21
